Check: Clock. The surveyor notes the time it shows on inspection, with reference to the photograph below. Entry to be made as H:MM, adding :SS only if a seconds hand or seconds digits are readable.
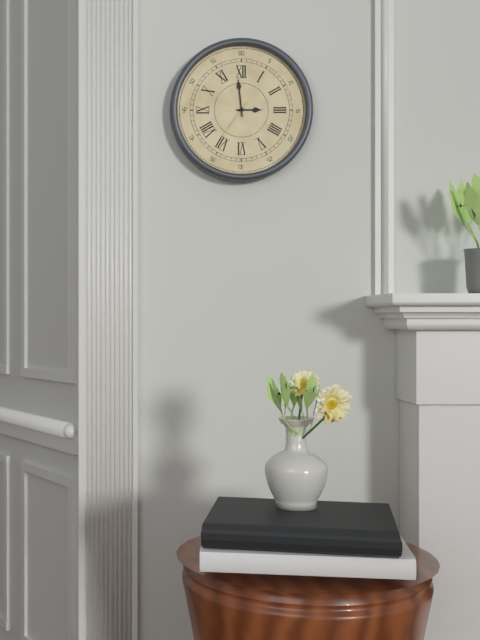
2:59
